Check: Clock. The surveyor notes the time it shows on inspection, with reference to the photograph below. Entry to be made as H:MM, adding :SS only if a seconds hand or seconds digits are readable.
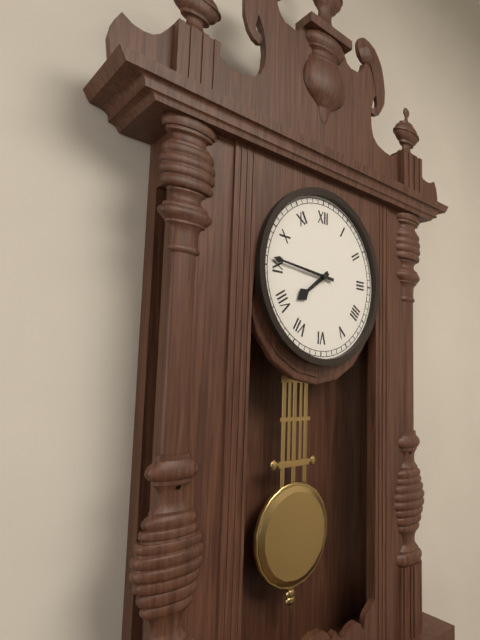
7:46
